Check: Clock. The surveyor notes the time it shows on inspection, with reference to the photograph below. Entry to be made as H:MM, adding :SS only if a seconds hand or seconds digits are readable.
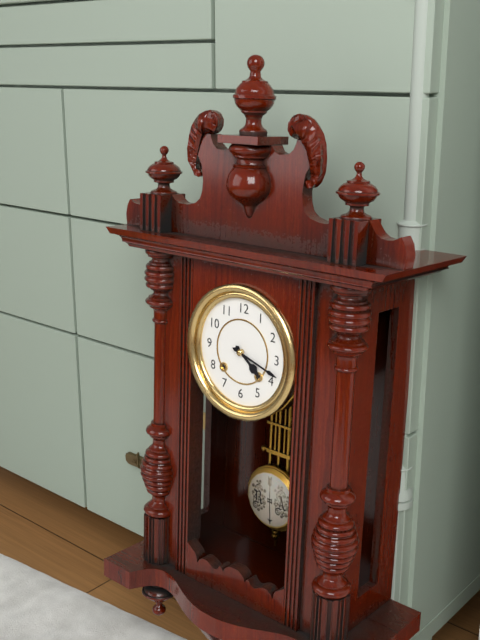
4:18
